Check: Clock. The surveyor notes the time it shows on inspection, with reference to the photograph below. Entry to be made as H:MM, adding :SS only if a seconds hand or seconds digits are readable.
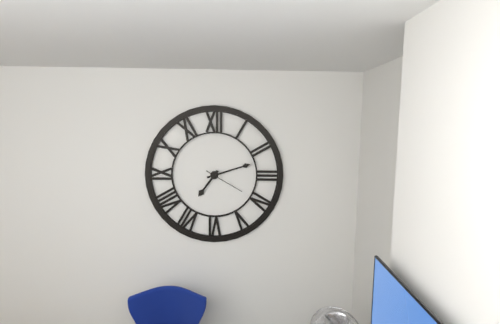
7:12
